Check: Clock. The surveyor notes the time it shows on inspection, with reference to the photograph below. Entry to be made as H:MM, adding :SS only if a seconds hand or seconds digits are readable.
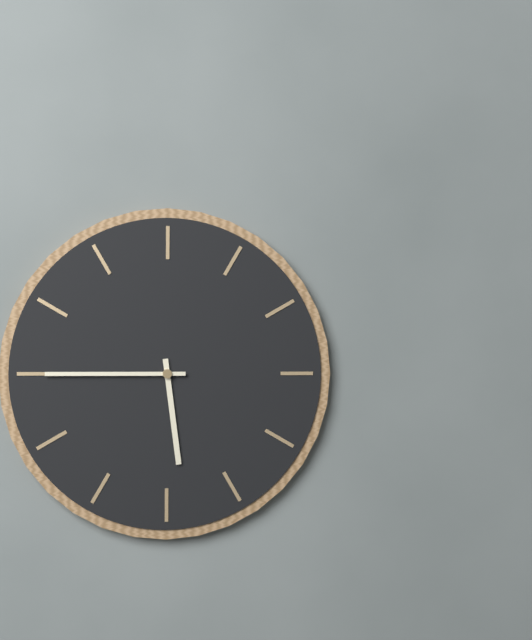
5:45
